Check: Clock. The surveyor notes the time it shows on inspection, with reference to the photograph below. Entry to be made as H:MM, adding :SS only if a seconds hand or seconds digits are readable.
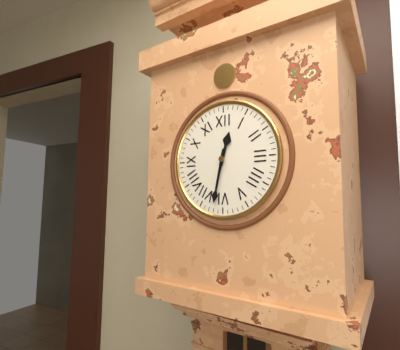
12:32
